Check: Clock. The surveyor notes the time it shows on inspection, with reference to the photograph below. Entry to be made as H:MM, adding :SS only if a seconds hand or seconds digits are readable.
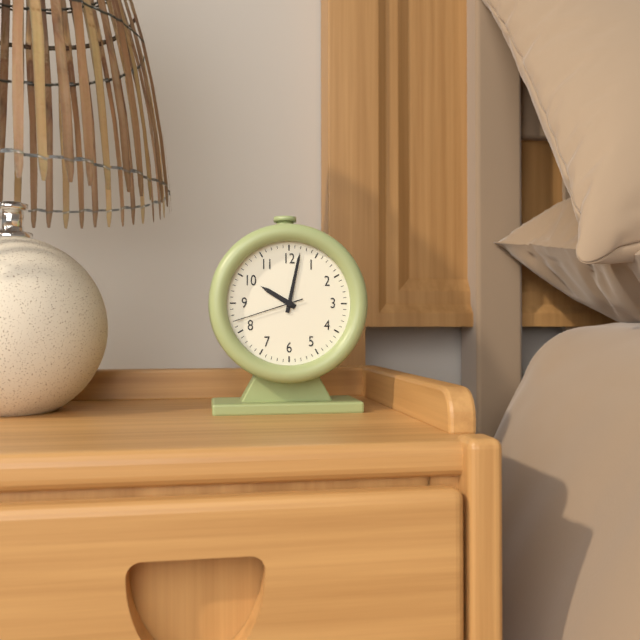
10:02:42
